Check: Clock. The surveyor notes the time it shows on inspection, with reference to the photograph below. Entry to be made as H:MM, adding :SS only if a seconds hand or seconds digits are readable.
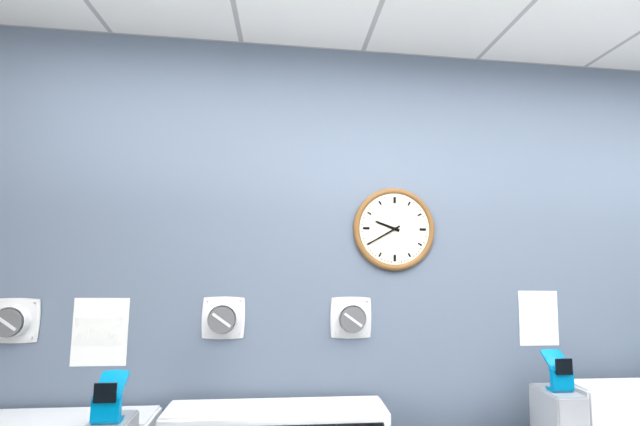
9:40
